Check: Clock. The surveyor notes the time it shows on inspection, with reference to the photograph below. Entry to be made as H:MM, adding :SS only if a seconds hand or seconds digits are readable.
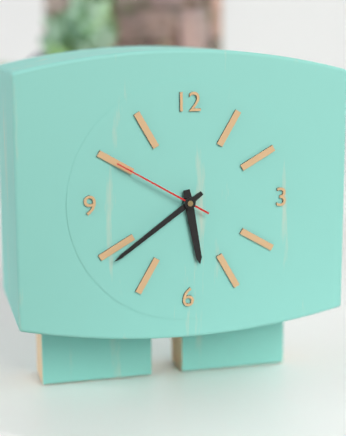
5:39:50
